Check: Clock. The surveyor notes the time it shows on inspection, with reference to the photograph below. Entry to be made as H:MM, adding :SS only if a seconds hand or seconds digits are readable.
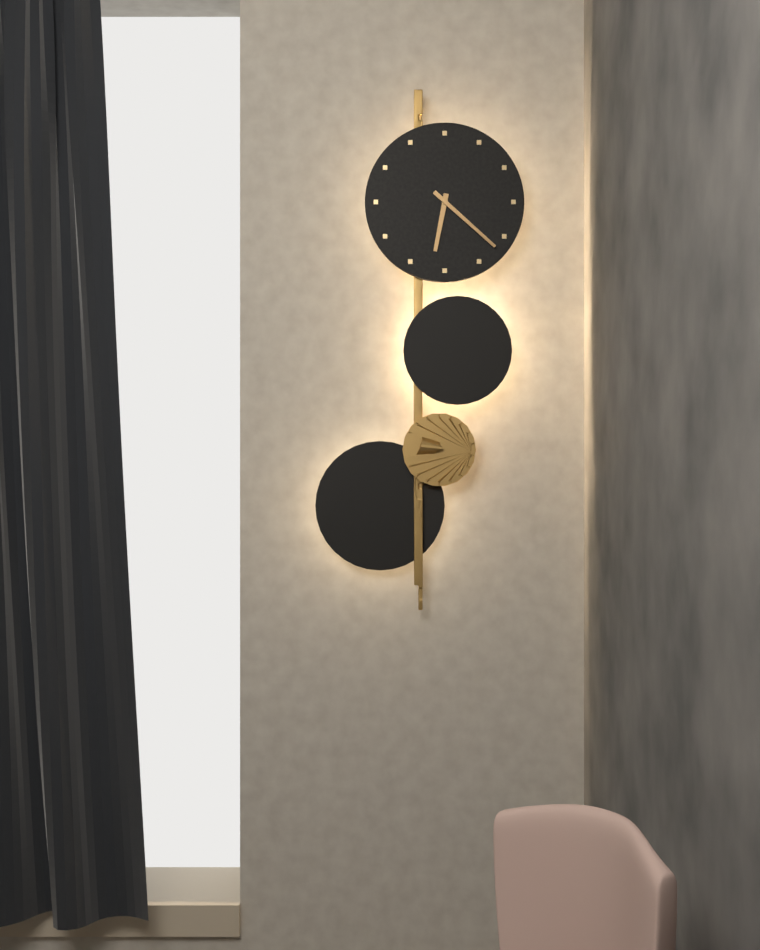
6:22
